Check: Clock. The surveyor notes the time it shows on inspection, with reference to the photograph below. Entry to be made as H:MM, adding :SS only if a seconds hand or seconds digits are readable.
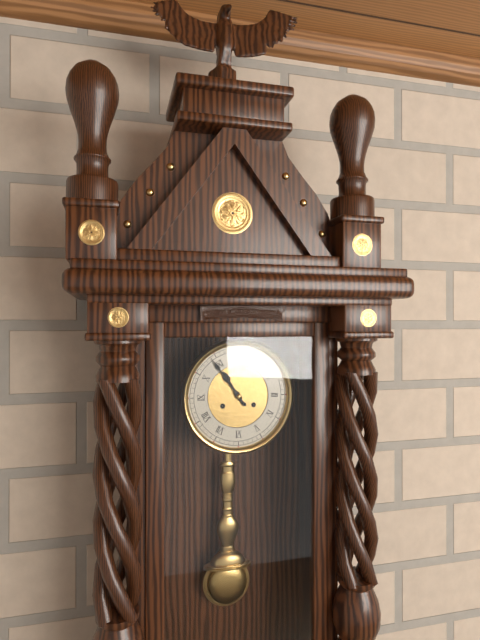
10:54
